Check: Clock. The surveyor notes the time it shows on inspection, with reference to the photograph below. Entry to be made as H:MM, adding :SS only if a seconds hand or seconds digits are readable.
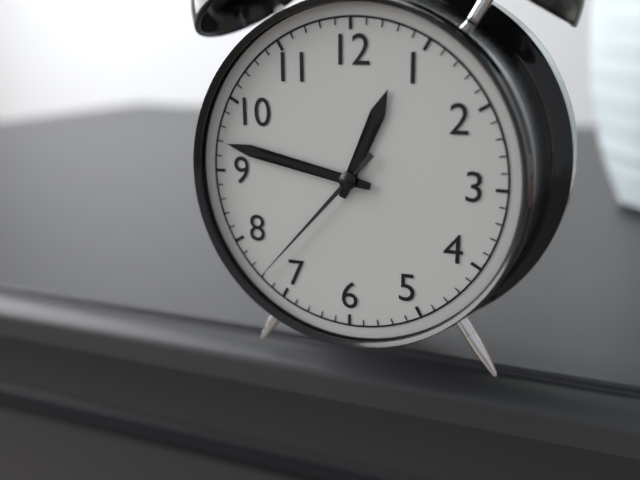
12:47:37
